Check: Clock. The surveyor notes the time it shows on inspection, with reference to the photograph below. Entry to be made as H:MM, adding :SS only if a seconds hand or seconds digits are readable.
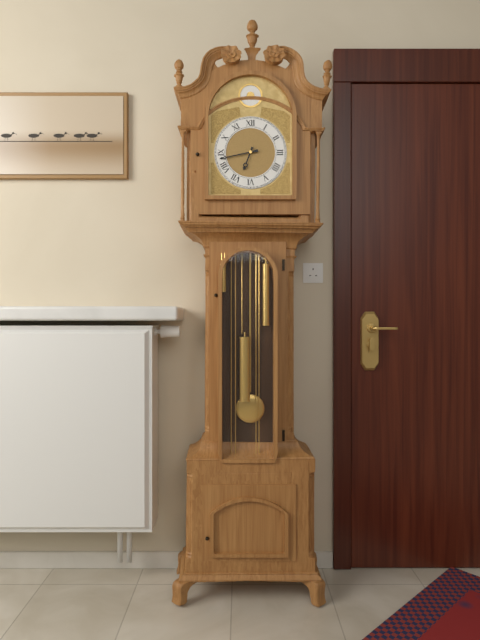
6:43
